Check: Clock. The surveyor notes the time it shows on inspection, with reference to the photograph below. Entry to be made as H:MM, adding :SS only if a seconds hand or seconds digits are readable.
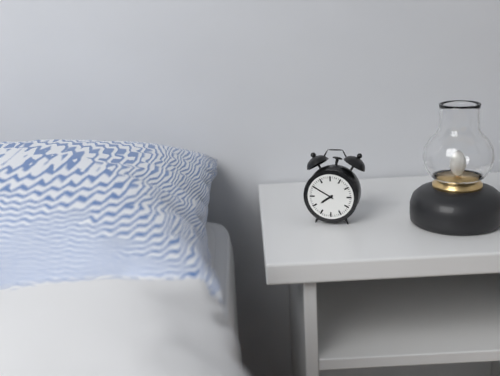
7:50
